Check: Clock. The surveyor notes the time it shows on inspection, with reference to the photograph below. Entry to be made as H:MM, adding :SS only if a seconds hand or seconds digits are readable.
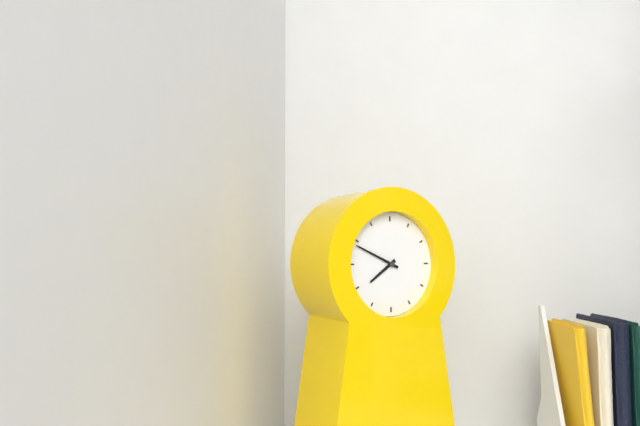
7:49
